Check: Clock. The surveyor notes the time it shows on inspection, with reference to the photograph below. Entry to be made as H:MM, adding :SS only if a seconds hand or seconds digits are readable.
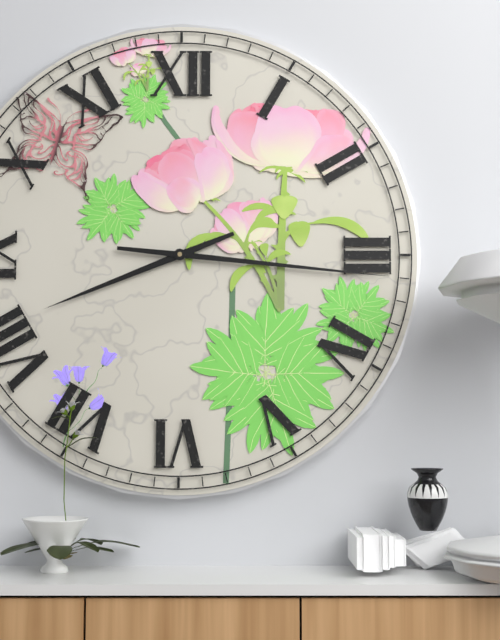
8:16
